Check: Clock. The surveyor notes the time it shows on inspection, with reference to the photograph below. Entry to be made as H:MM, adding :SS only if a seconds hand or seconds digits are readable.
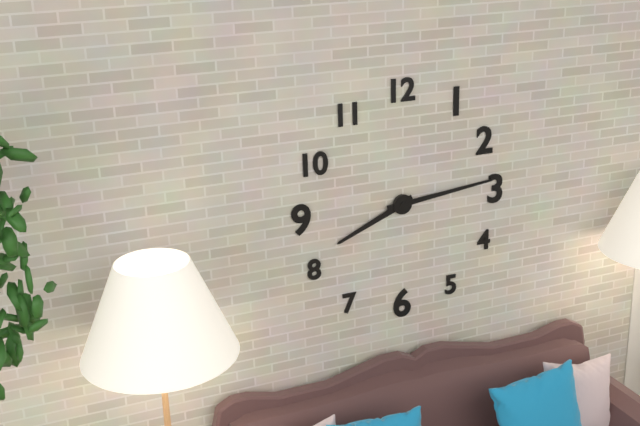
8:14
